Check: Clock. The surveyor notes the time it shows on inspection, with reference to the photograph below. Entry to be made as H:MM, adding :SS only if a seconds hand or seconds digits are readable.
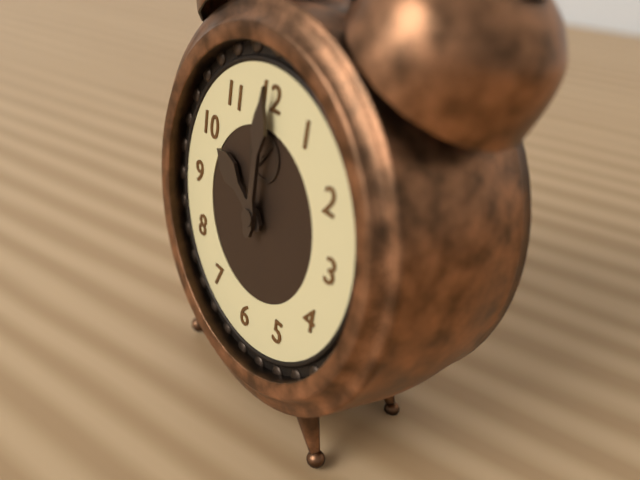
10:00
